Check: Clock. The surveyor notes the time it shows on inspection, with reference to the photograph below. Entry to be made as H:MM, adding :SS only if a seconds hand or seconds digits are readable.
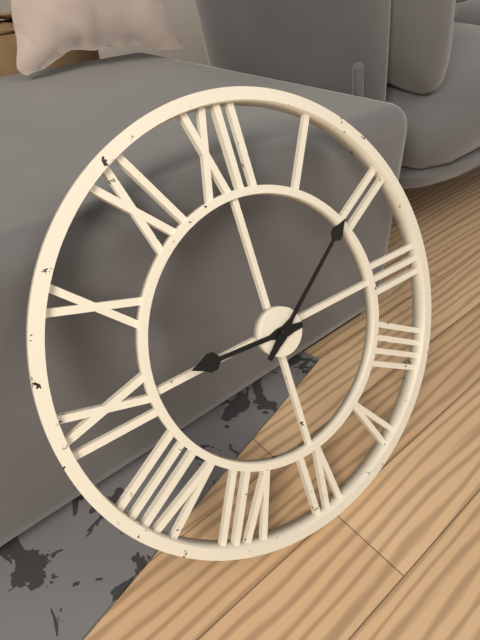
9:09
